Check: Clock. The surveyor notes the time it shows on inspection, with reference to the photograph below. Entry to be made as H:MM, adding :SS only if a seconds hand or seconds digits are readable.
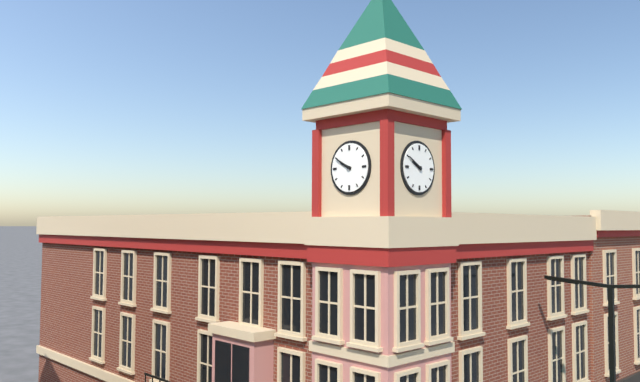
9:50
